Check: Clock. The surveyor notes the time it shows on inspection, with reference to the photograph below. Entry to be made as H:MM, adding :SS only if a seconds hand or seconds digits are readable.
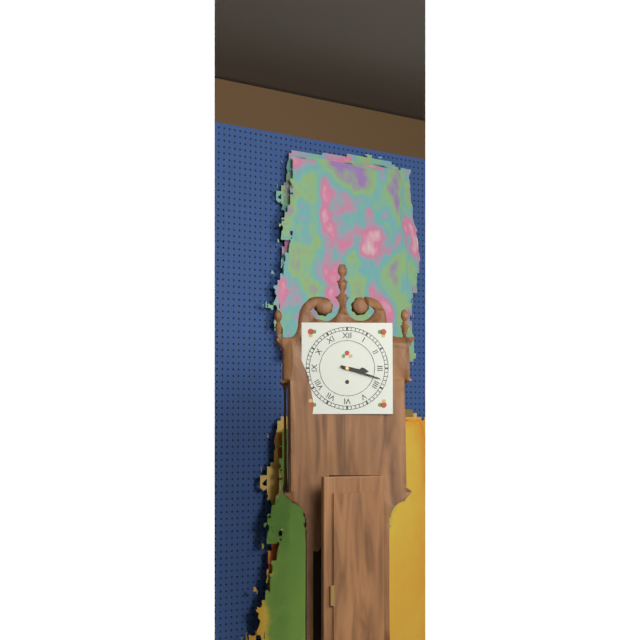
3:18
